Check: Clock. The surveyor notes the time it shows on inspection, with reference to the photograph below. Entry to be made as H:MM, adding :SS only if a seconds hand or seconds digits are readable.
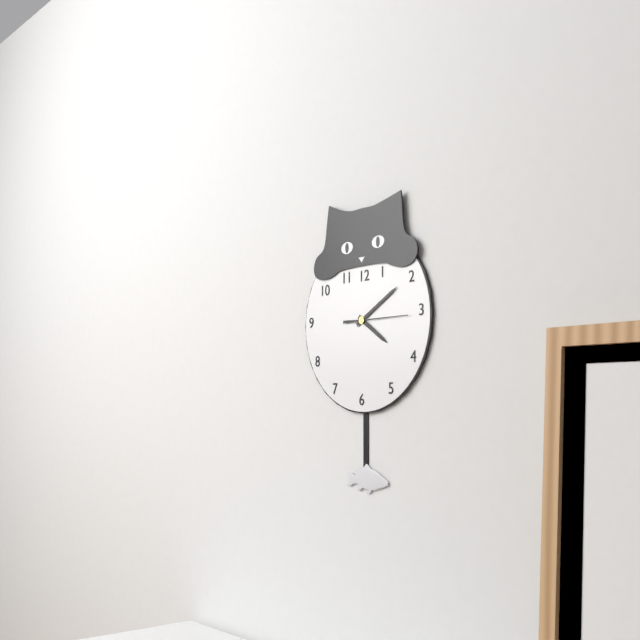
4:10:15
